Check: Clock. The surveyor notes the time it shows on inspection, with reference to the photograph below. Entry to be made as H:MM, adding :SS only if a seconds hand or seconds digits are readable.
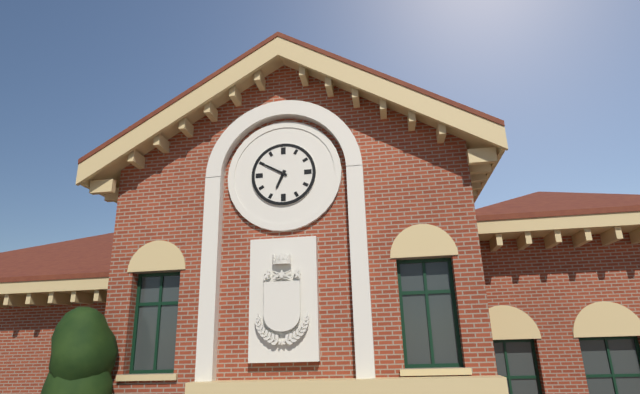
6:50
